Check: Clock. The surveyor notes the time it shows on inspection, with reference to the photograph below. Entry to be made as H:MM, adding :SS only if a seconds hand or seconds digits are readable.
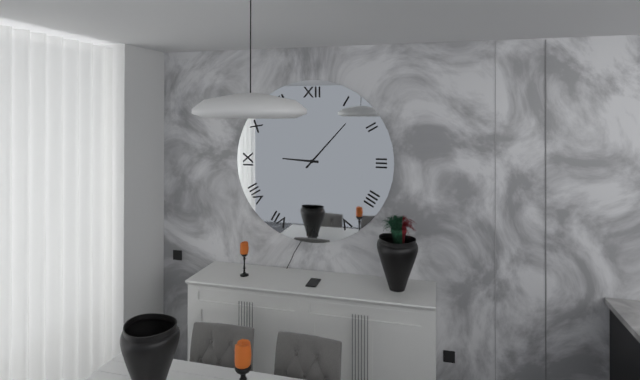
9:07
